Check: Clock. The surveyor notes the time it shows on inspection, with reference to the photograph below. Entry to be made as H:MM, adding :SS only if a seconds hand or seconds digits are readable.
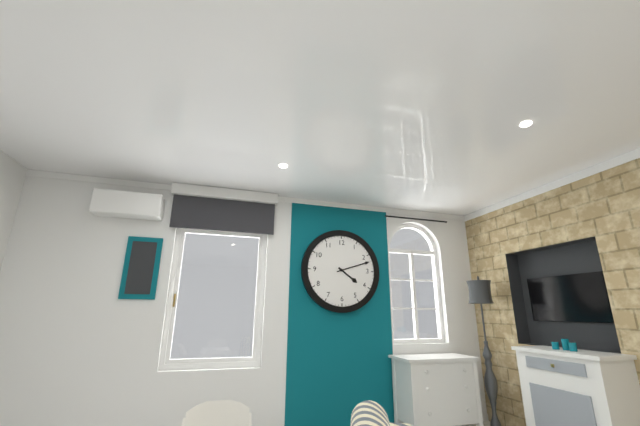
4:12
